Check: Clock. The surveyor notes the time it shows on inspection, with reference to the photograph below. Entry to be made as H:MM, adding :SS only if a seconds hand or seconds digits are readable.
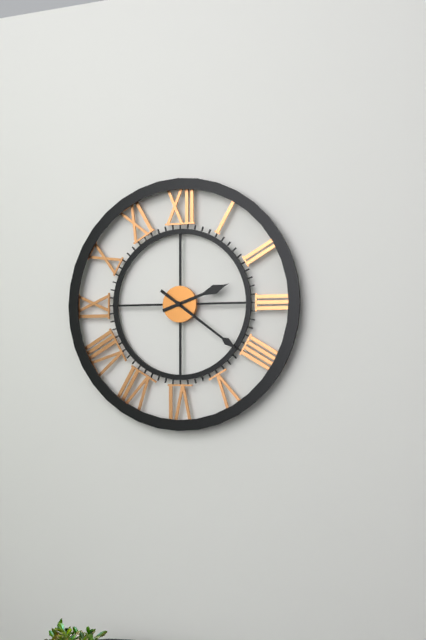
2:21
